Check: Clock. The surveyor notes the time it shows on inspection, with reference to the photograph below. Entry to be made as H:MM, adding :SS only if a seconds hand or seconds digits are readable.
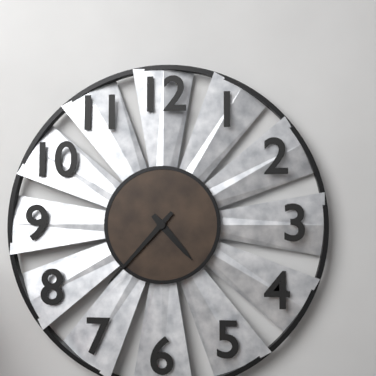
4:37
